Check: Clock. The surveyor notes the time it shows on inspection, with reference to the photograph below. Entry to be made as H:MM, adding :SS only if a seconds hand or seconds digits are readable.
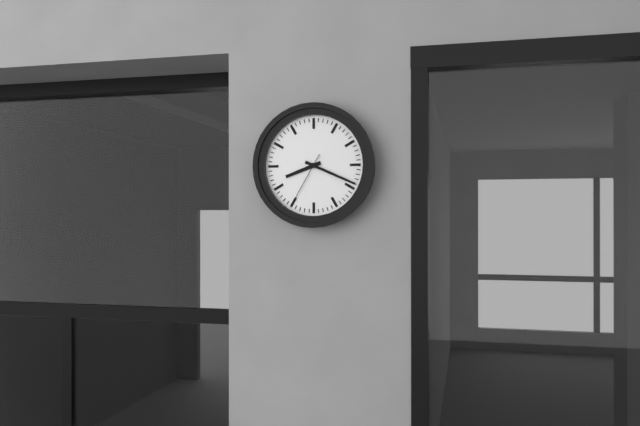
8:19:35
